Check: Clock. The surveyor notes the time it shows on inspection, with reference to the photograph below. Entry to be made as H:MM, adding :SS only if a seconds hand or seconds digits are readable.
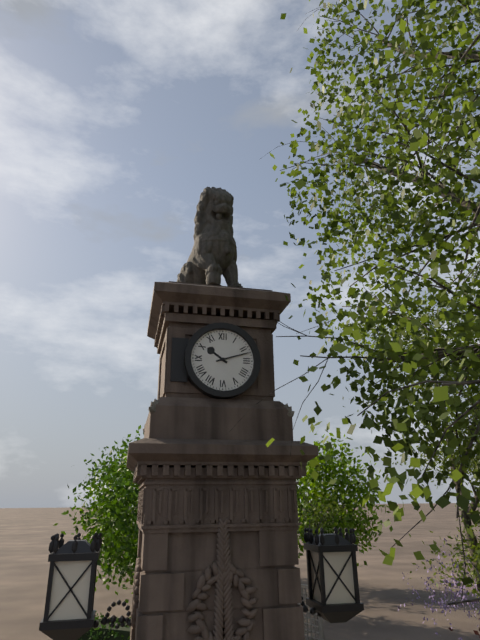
10:12
